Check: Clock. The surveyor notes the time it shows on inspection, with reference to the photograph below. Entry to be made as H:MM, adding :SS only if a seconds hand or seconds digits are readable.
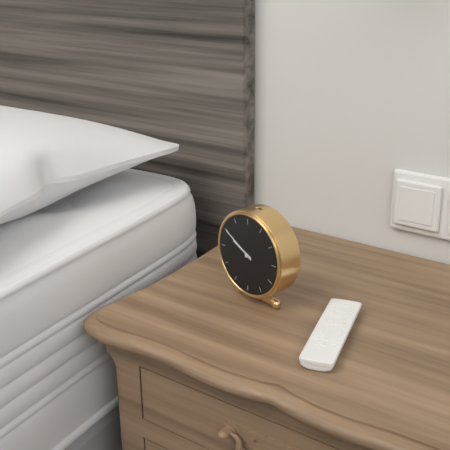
9:50
